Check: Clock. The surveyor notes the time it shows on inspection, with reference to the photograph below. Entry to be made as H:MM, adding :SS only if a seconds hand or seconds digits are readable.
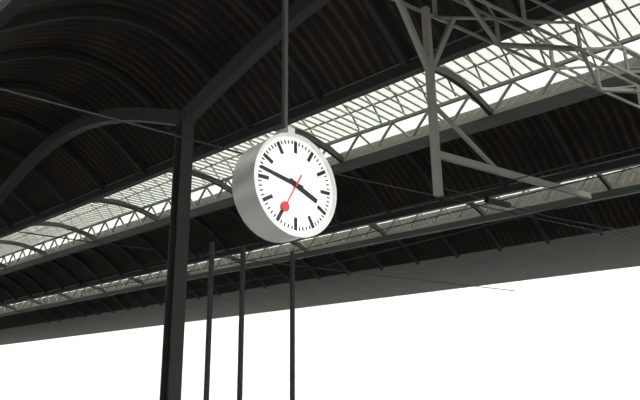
3:47
